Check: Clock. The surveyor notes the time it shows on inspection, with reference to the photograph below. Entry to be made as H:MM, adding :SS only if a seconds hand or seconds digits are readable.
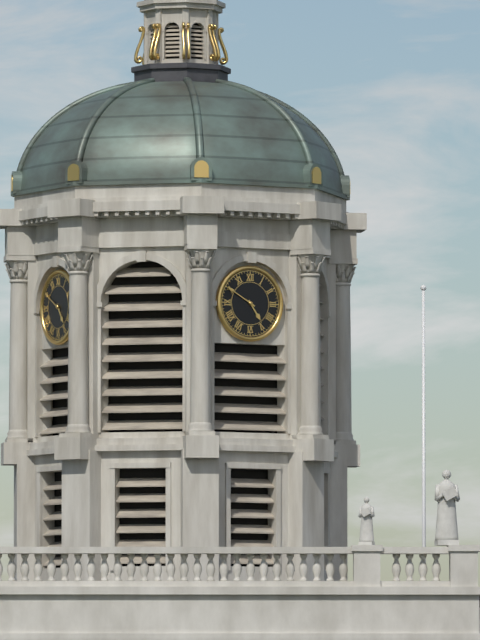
4:50
